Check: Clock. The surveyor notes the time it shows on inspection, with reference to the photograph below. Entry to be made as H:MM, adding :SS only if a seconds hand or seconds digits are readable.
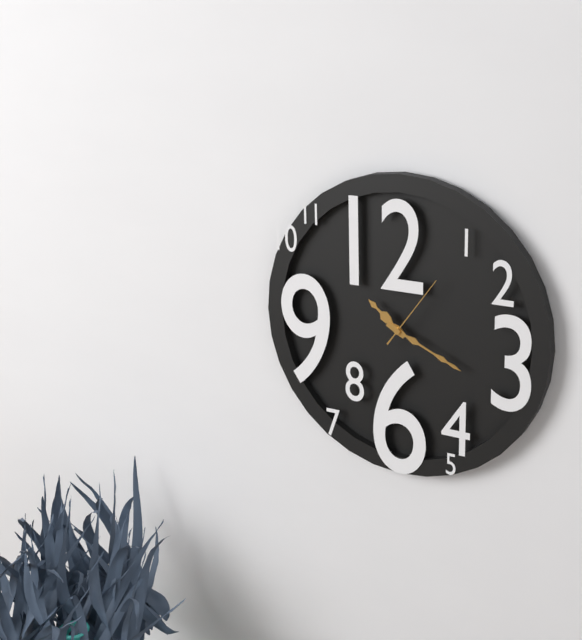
10:19:06
